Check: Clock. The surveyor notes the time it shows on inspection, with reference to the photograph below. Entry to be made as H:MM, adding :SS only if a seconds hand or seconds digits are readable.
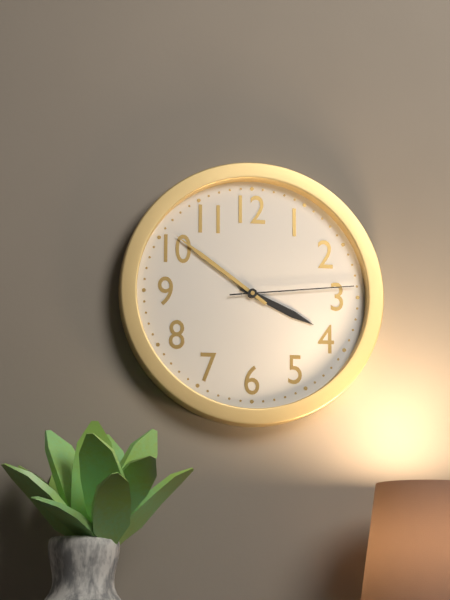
3:51:14
